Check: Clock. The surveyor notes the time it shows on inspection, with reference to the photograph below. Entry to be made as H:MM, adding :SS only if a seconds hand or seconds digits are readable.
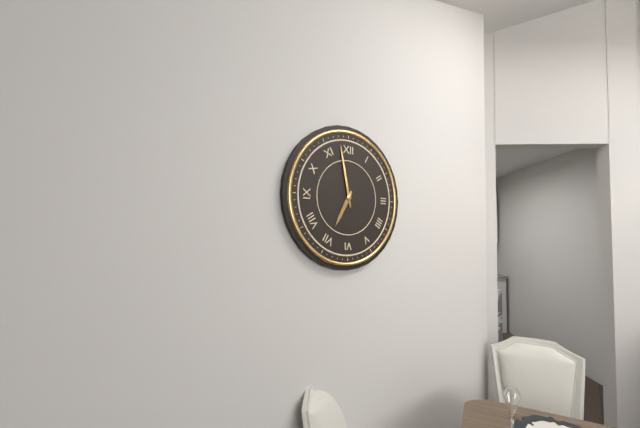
6:58
